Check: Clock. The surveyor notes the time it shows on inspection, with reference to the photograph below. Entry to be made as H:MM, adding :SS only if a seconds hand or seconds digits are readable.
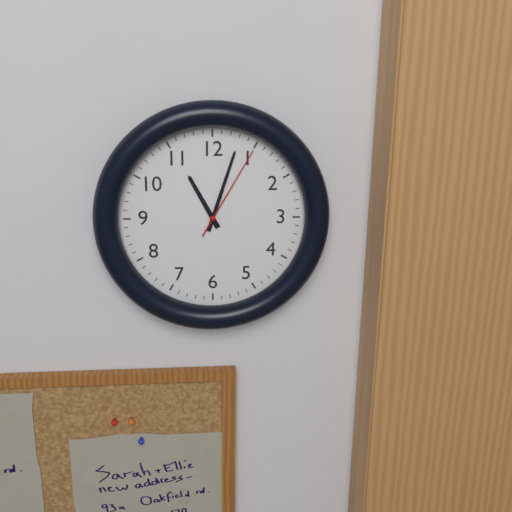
11:03:05
